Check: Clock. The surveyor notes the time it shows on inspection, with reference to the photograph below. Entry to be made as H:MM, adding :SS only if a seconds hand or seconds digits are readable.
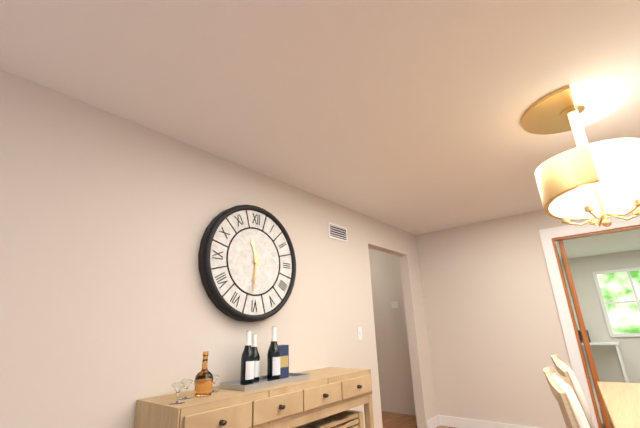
11:31
